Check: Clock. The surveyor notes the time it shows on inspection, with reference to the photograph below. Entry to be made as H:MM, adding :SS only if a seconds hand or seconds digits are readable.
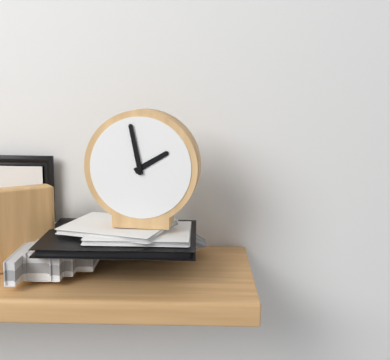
1:58
